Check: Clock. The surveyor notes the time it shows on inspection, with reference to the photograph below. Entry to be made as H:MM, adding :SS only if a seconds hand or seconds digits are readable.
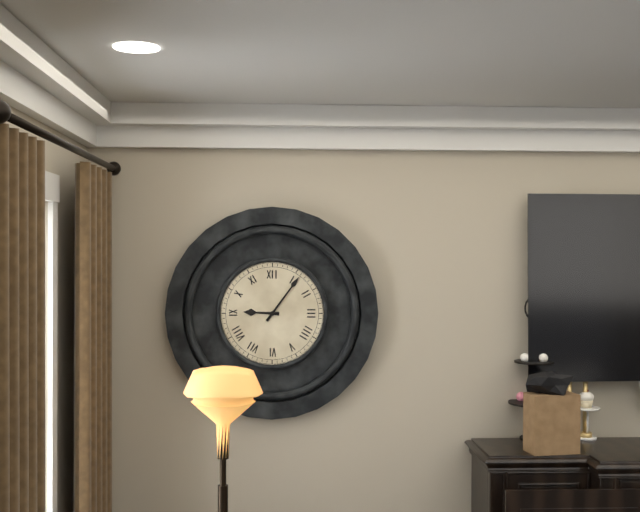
9:06
